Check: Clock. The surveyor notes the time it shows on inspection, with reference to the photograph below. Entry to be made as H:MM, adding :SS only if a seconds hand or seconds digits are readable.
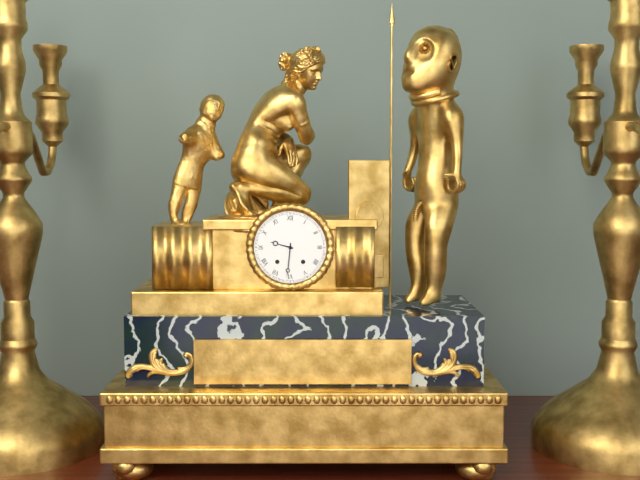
9:31
